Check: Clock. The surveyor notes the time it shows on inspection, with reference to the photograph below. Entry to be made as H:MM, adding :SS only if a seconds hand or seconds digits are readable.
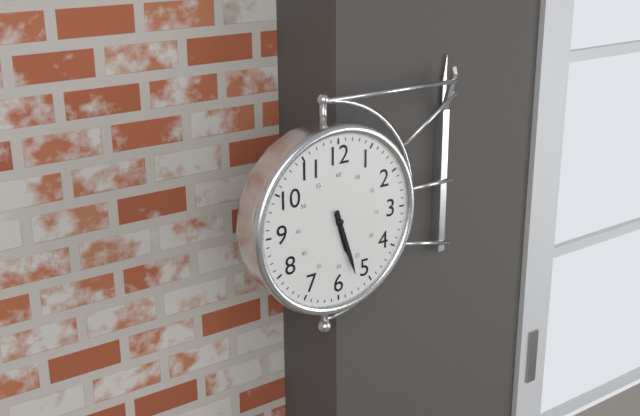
5:27
